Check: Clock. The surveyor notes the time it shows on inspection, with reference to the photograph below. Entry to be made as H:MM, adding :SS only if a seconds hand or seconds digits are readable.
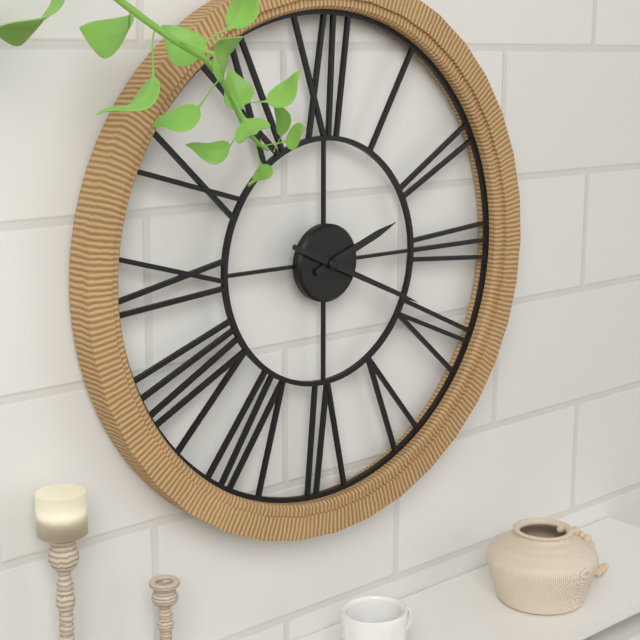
2:19
